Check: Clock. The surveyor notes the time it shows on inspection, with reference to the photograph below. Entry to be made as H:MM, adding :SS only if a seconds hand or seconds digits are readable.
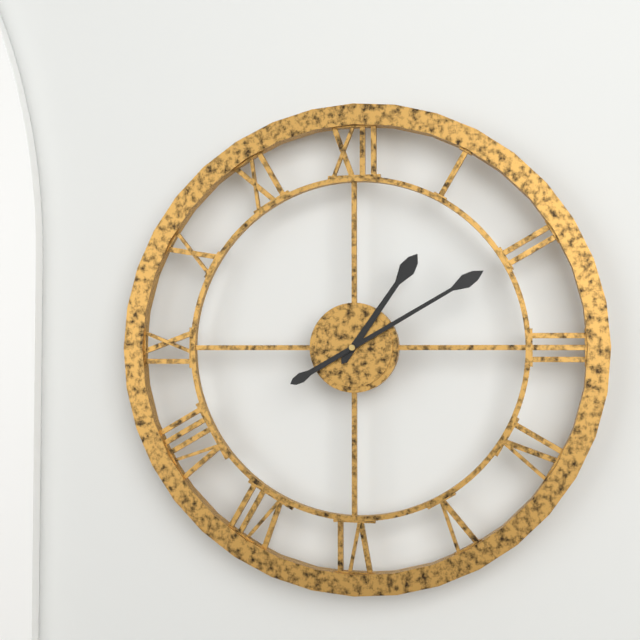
1:10
